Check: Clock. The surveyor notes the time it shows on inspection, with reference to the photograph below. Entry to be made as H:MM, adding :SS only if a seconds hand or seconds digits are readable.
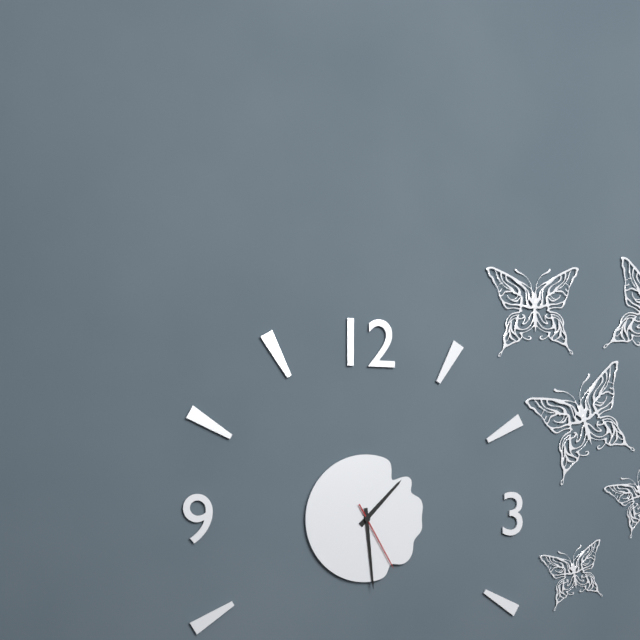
1:29:25
